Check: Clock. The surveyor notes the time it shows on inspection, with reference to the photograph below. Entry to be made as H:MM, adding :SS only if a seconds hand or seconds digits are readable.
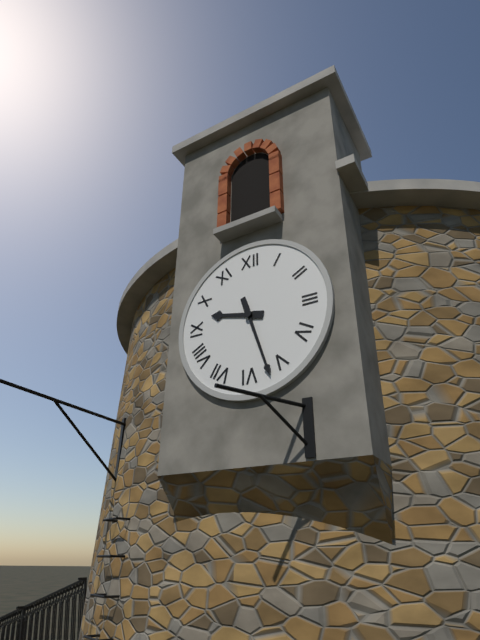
9:27
